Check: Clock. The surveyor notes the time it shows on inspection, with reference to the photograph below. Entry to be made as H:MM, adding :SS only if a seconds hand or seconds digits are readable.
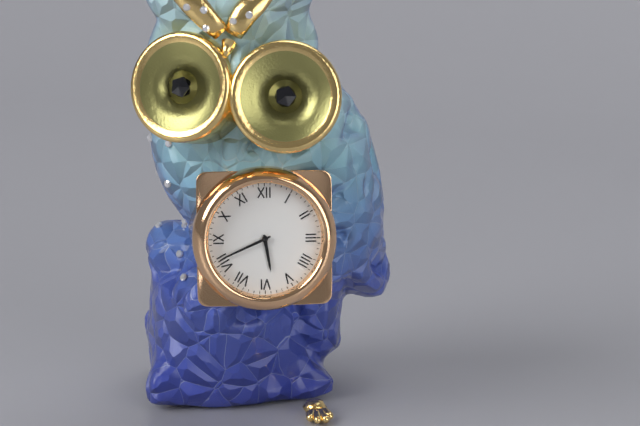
5:41
